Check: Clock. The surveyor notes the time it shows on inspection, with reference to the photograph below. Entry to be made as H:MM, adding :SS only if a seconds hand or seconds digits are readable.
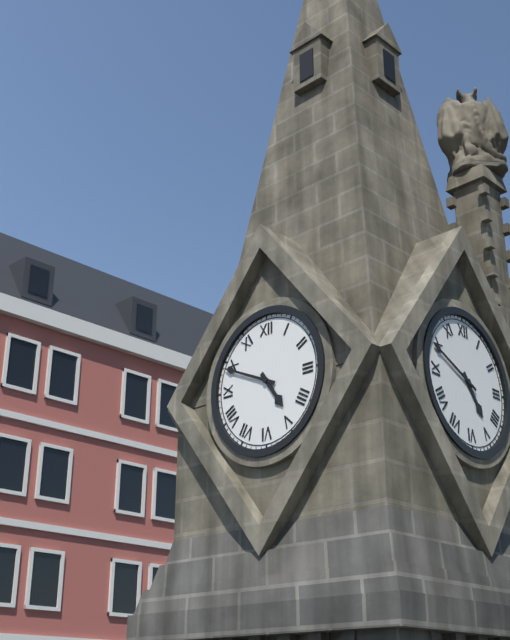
4:49
